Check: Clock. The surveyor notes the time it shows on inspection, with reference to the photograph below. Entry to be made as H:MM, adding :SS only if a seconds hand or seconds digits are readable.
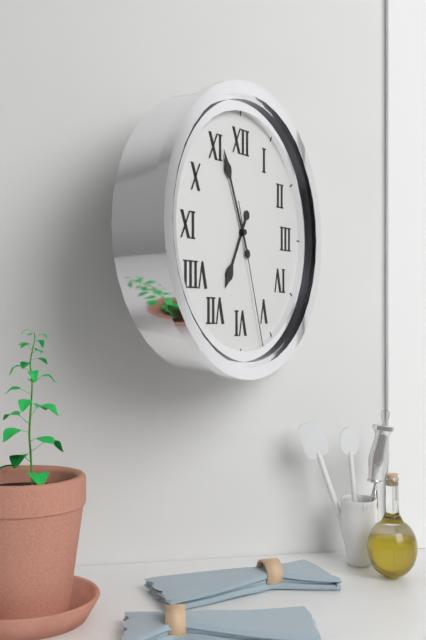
6:56:27
